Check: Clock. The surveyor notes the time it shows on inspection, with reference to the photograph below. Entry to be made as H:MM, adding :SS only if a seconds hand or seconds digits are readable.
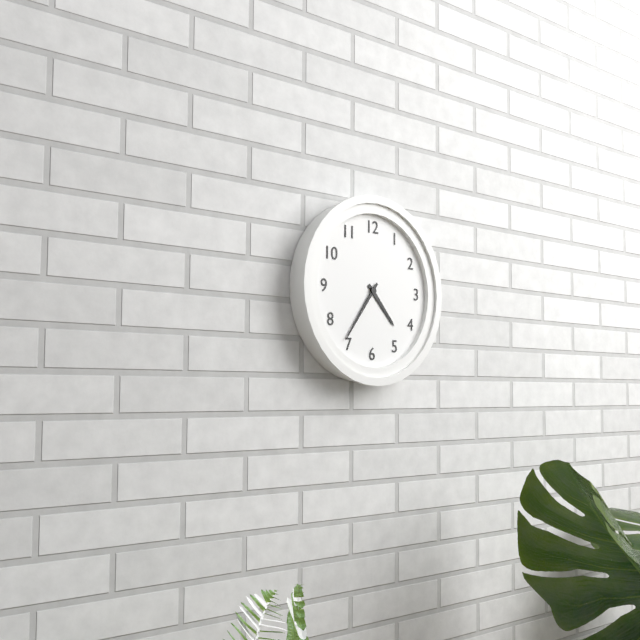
4:36
